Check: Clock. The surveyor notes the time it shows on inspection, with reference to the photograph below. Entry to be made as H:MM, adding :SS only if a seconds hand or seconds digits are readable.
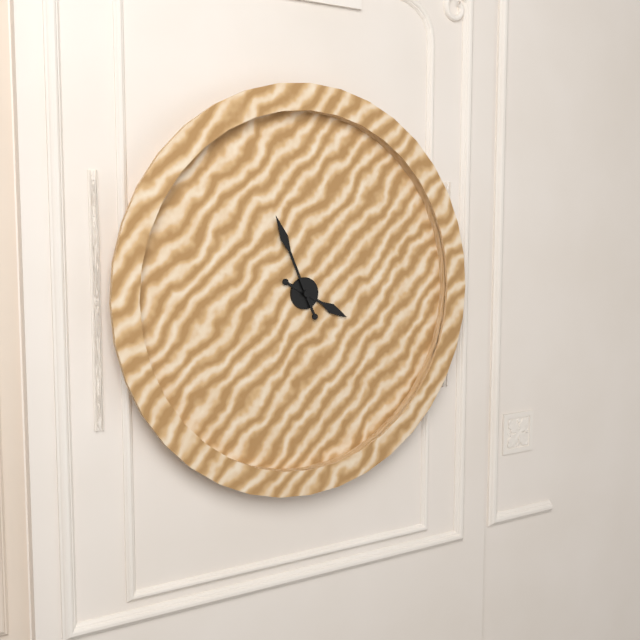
3:56
